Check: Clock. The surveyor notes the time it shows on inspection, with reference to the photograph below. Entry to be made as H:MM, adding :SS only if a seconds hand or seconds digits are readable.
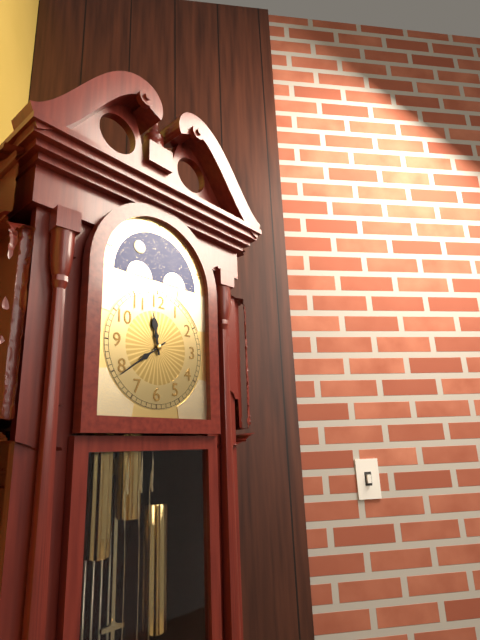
11:39
